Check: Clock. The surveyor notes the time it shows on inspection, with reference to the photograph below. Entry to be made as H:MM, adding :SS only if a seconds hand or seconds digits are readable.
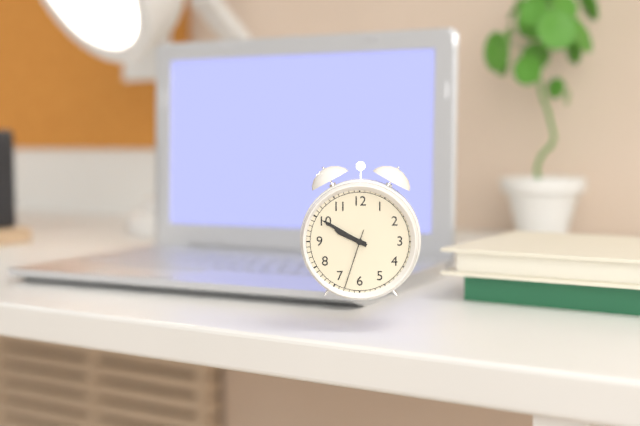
9:50:33
